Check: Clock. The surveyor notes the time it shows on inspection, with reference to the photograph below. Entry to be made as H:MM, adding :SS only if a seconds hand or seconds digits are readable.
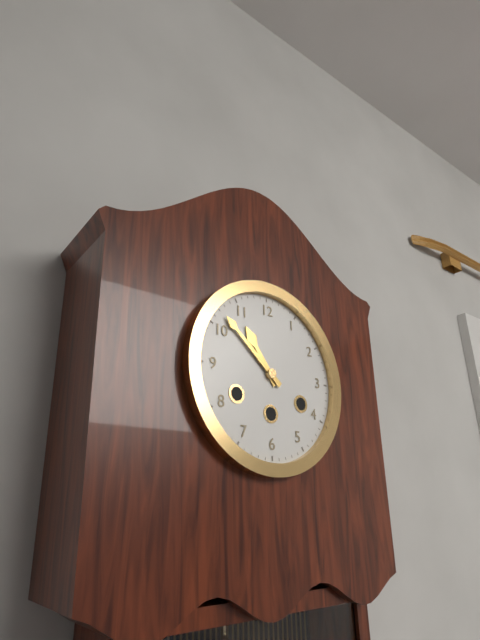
10:52
